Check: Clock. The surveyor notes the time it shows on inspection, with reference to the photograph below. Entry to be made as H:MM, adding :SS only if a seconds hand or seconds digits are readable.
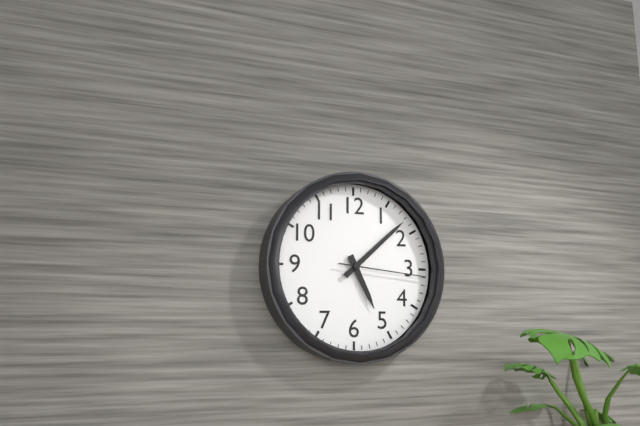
5:08:16
